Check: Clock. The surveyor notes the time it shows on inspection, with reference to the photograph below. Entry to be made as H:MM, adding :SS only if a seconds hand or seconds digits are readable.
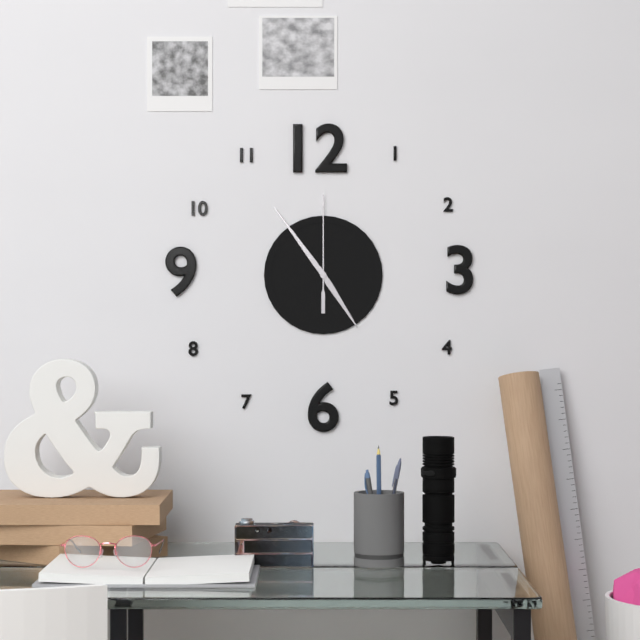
4:54:00
